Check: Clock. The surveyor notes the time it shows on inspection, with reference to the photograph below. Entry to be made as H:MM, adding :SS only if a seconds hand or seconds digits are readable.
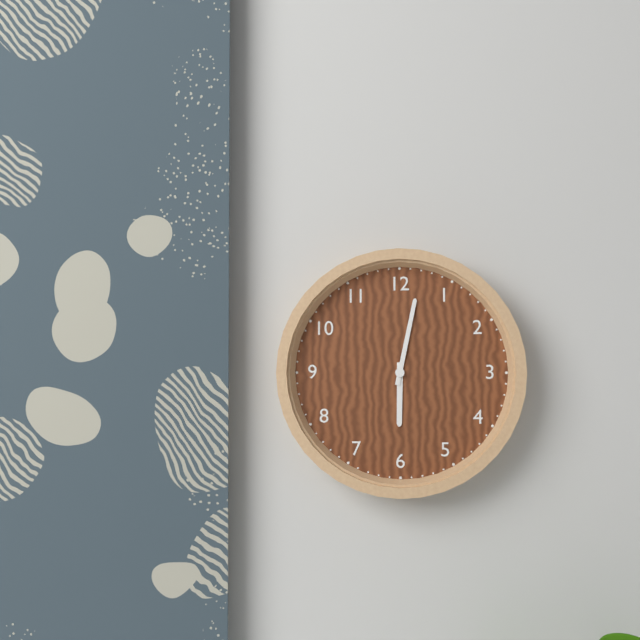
6:02
